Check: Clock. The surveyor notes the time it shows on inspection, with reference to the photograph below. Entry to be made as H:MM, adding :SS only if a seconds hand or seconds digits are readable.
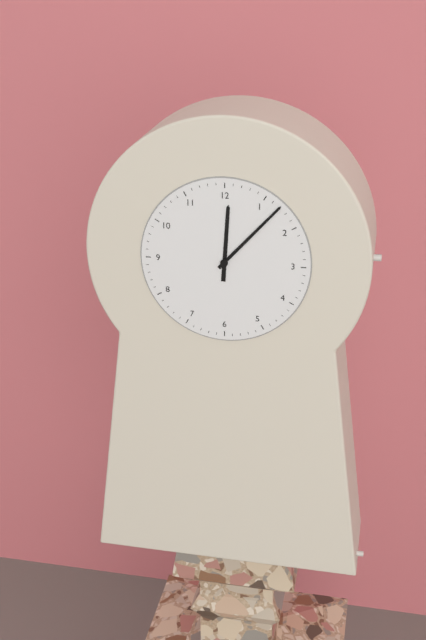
12:07
